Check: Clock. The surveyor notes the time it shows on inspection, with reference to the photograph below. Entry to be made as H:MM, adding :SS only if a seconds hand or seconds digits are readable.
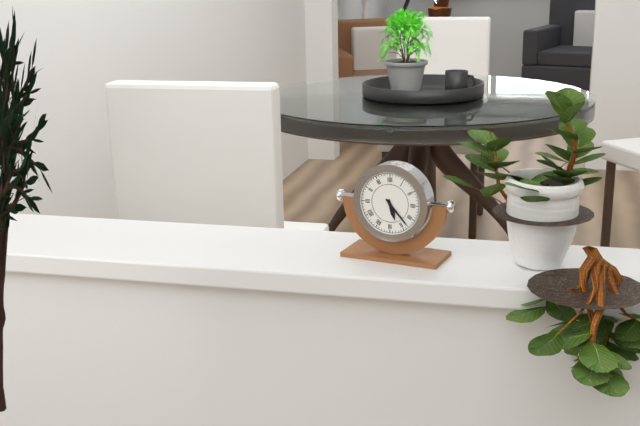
5:23
